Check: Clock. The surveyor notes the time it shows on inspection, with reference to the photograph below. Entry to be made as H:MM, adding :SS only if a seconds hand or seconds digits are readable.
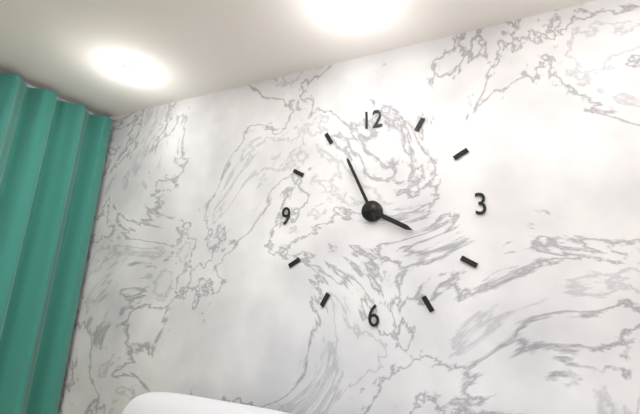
3:56
